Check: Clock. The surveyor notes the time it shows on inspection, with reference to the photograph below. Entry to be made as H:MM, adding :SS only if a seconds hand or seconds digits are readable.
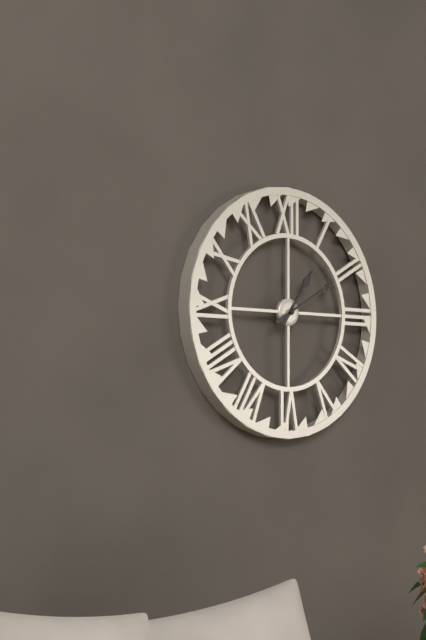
1:10
